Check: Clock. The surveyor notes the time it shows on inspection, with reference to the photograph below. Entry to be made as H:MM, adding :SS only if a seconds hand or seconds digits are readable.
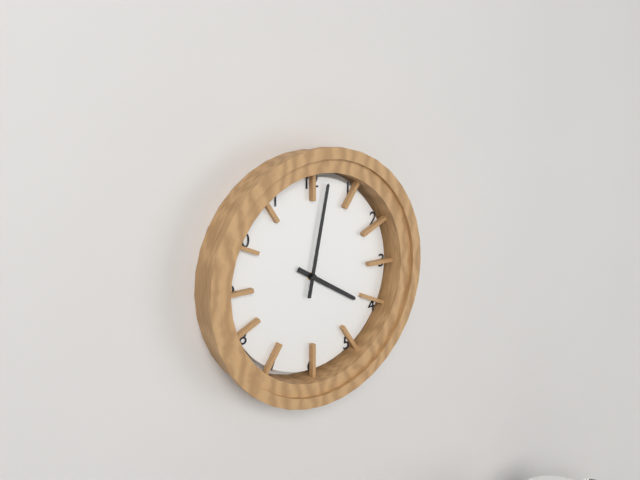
4:02
